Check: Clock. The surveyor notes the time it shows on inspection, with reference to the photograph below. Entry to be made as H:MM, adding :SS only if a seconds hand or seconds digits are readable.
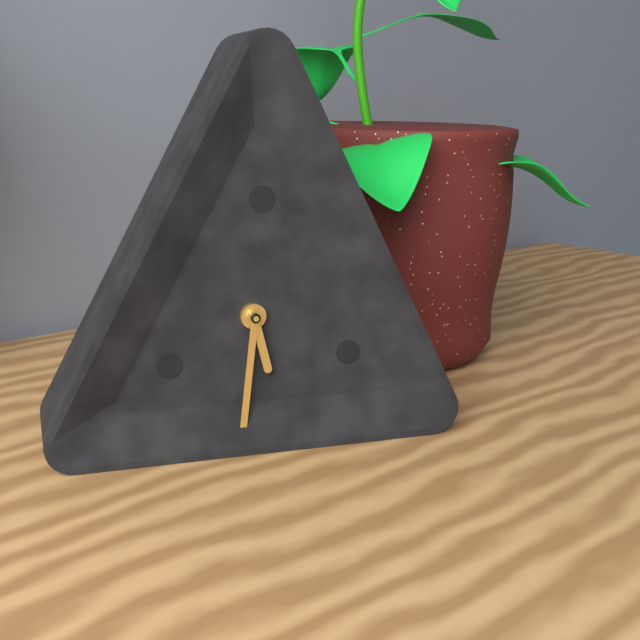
5:31
